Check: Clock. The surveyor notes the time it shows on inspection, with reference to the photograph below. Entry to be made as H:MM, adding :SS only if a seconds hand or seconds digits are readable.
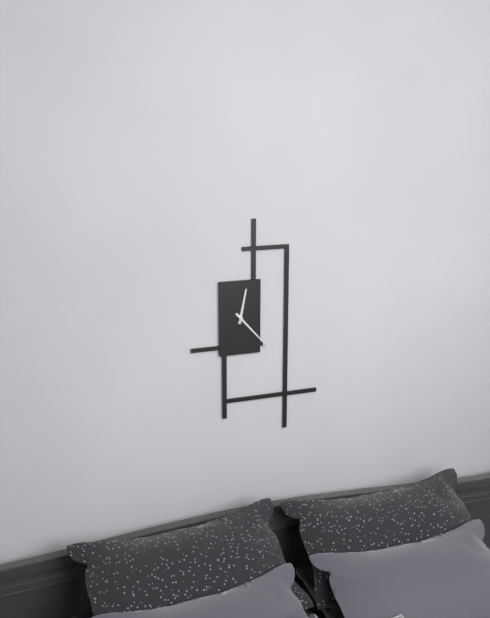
12:23
